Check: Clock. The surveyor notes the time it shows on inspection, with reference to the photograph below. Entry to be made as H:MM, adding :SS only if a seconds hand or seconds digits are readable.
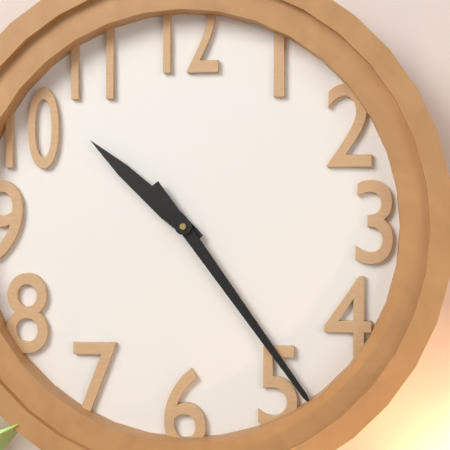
10:24
